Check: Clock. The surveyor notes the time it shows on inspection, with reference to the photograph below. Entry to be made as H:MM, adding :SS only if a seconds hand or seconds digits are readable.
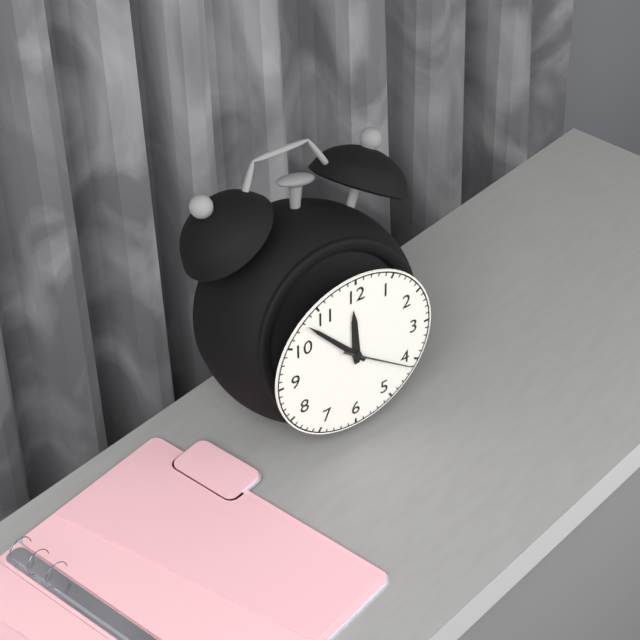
11:53:21
